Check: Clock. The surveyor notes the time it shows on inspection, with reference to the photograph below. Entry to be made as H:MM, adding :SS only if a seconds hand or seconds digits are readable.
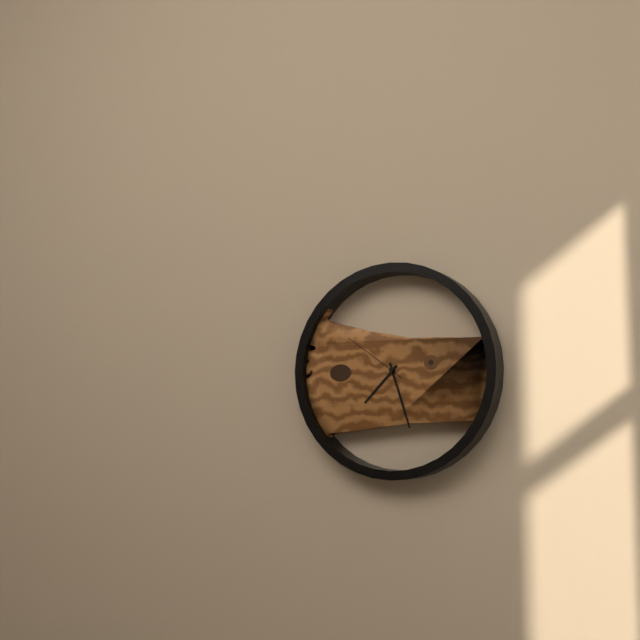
7:27:51
